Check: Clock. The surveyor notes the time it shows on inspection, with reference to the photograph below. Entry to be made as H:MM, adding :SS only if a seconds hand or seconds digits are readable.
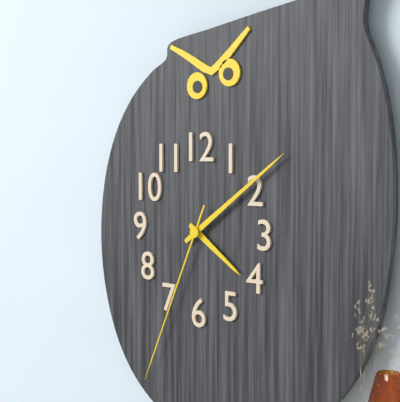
4:09:34
